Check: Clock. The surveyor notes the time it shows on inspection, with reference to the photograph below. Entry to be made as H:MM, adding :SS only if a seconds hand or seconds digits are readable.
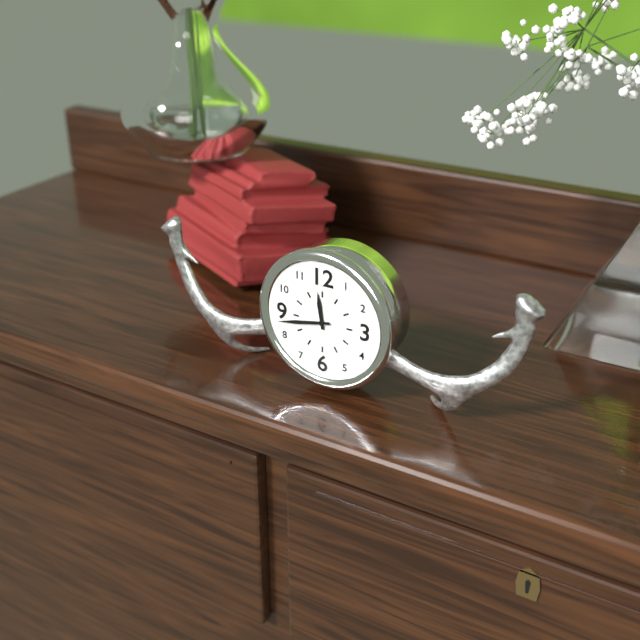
11:43
